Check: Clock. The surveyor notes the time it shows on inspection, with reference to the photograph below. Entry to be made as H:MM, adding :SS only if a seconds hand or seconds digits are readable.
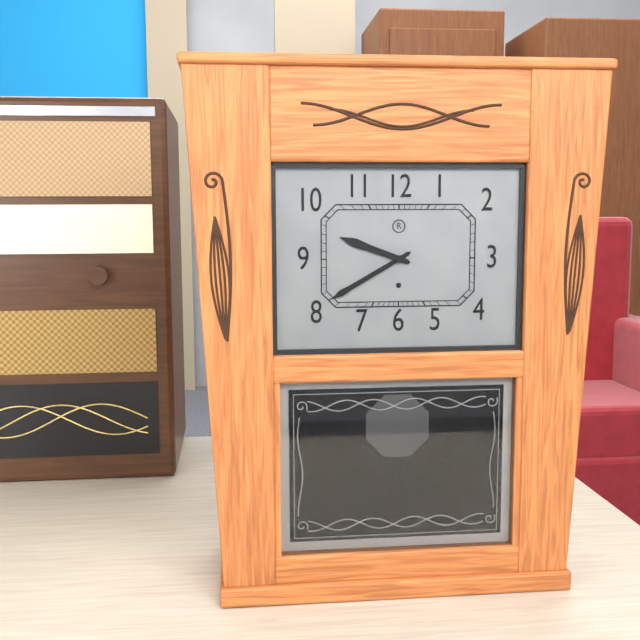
9:40
